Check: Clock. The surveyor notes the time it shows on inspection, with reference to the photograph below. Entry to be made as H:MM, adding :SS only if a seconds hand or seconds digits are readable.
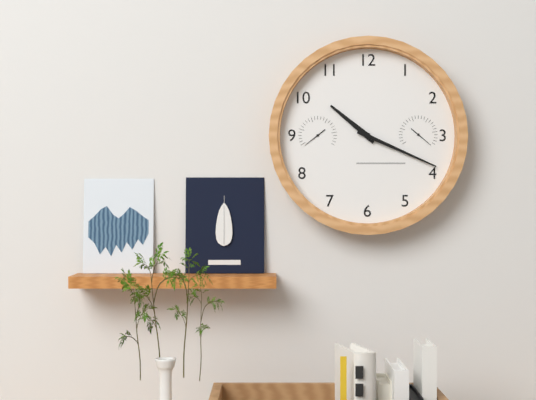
10:19
